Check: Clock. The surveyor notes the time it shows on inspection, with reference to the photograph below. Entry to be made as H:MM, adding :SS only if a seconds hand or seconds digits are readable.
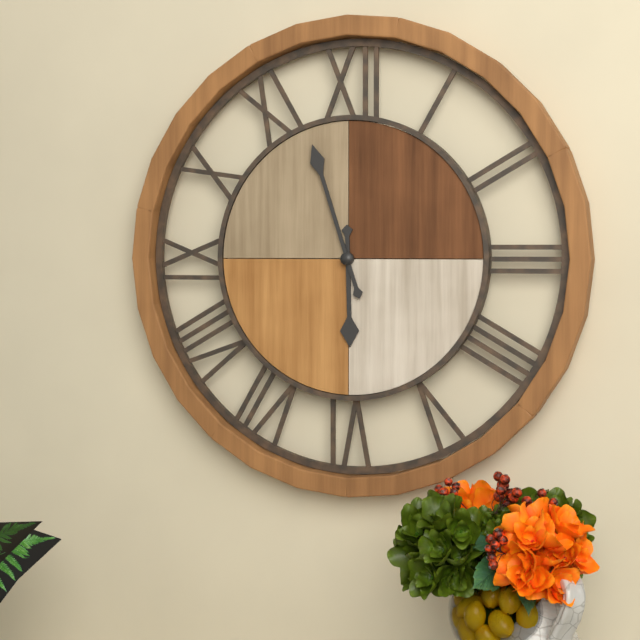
5:57
